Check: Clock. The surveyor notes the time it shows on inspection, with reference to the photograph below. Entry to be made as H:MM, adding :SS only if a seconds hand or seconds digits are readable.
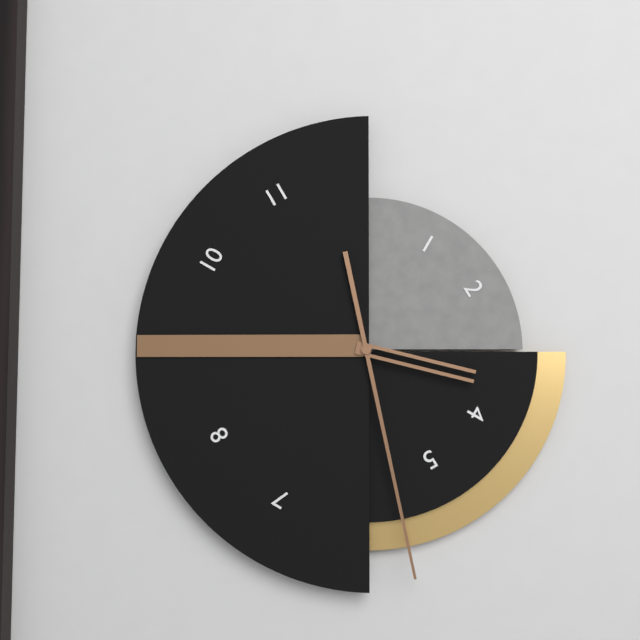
3:28
